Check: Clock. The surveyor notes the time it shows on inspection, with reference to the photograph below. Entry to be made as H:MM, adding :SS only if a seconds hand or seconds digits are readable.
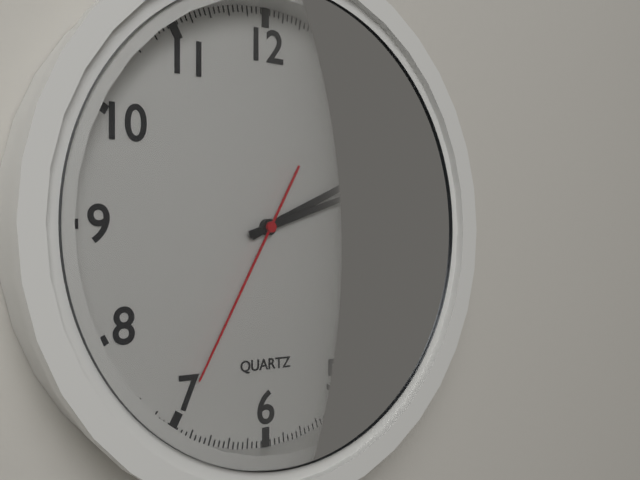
2:12:35
